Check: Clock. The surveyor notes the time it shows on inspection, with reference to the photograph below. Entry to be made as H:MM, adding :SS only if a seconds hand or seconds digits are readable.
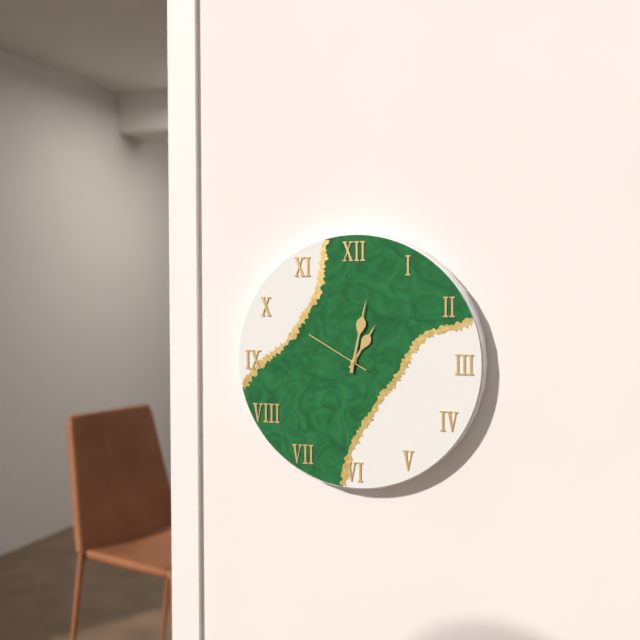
1:02:50
